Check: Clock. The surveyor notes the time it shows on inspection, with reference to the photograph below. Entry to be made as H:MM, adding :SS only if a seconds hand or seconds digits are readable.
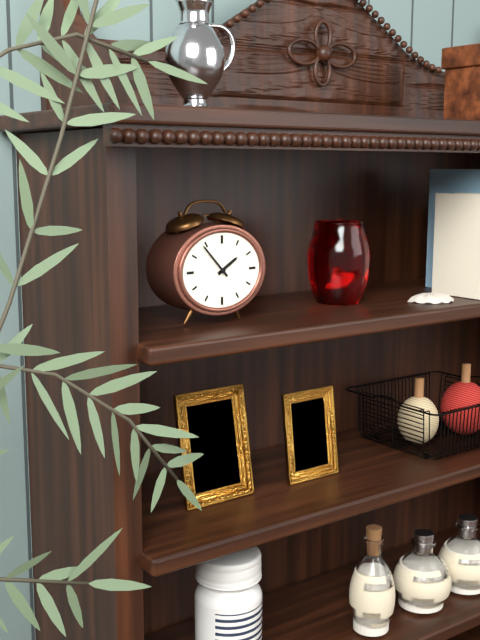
1:53
